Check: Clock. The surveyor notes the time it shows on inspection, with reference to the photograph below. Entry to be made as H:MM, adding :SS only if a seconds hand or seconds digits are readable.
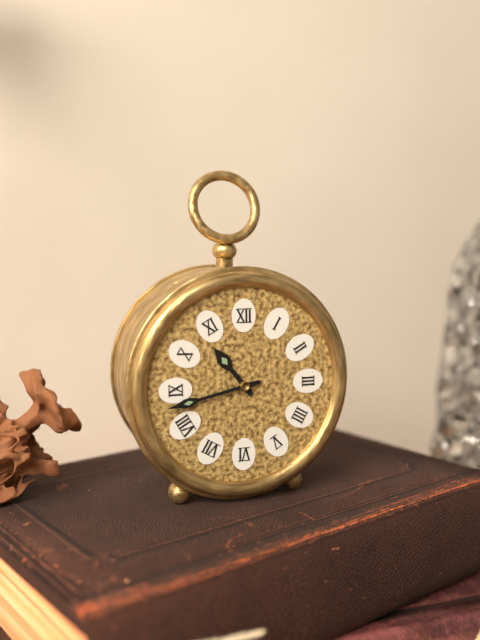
10:43
